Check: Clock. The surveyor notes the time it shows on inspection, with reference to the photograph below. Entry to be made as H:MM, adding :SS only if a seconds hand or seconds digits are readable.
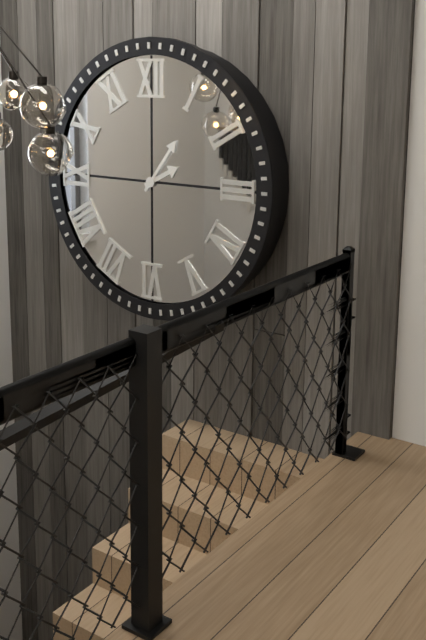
2:06
